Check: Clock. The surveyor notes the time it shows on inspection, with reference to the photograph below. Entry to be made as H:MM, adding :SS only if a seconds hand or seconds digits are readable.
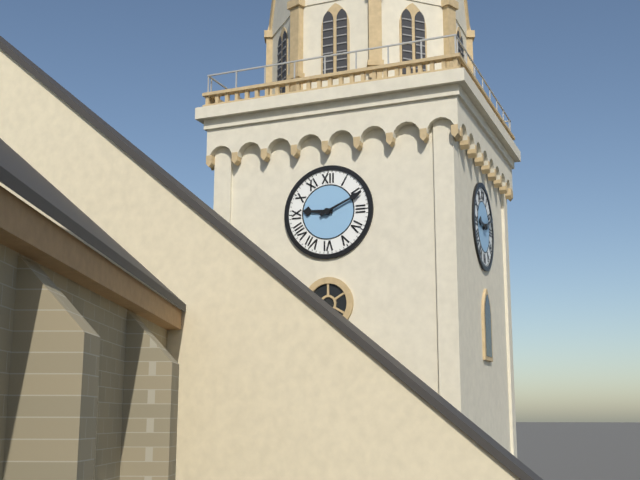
9:11
